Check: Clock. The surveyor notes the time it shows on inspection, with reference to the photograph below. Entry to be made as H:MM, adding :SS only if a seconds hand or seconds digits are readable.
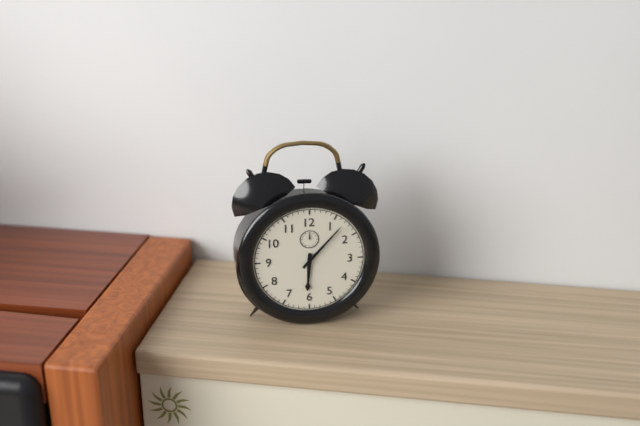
6:07
